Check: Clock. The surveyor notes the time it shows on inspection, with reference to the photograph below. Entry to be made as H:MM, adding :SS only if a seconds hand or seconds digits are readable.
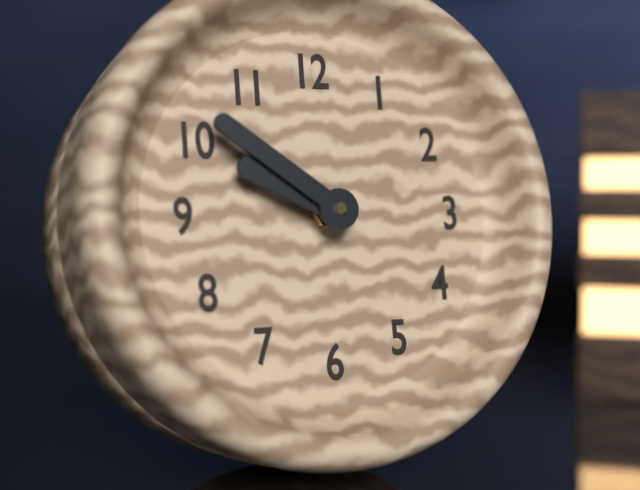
9:51
